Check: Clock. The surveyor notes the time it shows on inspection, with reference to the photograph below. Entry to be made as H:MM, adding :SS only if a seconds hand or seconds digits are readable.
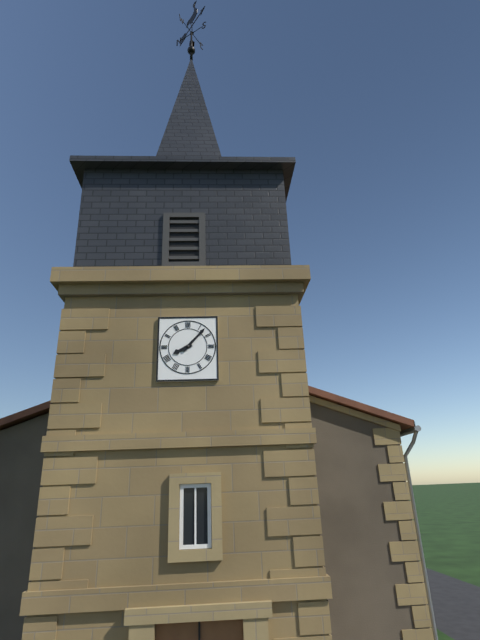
8:07
